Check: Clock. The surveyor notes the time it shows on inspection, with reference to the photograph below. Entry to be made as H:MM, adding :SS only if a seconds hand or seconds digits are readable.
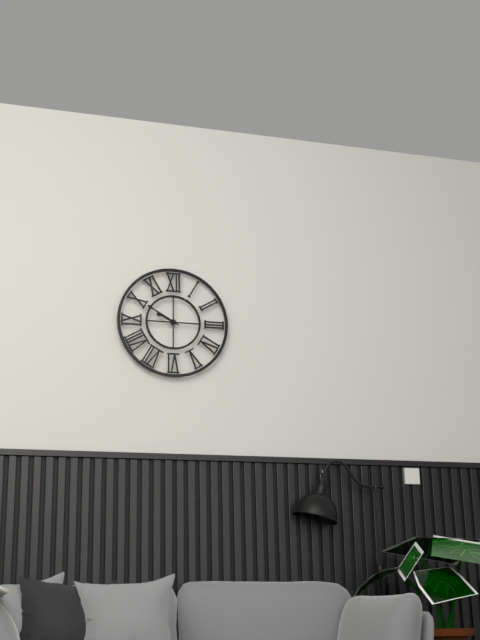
9:50
